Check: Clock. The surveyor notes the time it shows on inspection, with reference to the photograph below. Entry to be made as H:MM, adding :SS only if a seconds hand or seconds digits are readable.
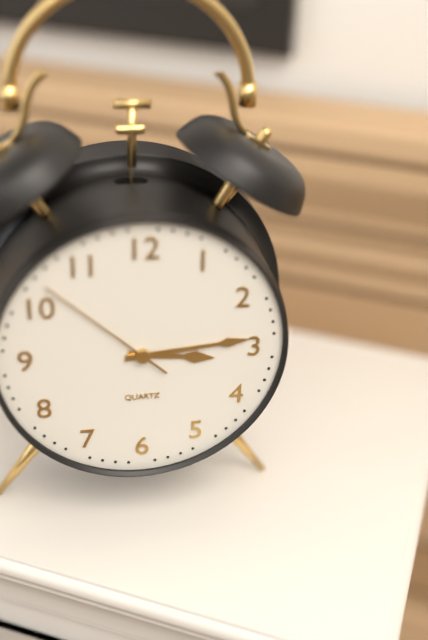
3:14:52
